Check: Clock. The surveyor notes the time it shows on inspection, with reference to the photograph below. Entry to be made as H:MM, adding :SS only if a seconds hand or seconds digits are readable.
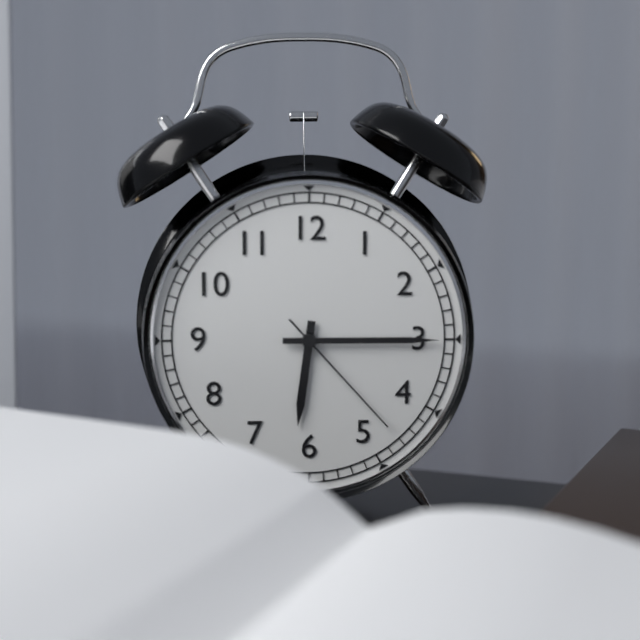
6:15:23
